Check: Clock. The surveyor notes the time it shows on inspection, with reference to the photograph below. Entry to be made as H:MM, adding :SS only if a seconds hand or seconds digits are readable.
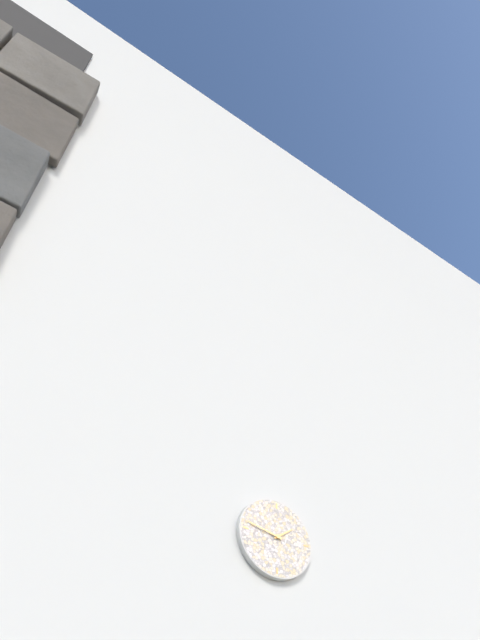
1:47
